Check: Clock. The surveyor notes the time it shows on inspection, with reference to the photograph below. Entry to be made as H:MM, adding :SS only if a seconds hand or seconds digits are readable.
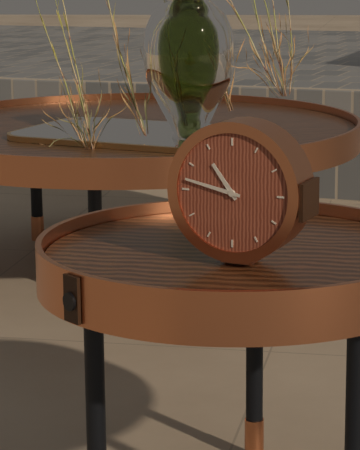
10:47
